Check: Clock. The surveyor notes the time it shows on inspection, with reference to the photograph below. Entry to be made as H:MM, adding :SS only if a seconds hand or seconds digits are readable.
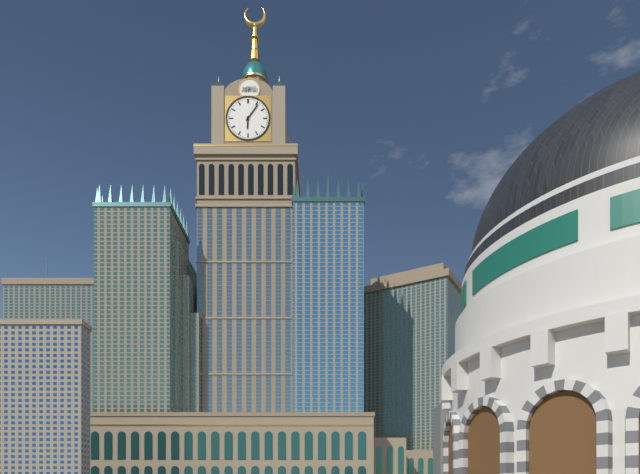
6:06
